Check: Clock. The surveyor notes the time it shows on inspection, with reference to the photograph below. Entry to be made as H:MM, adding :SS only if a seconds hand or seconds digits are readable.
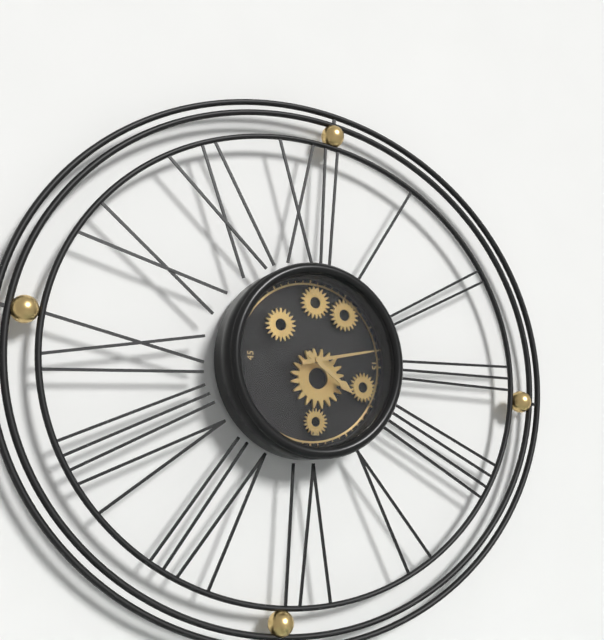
4:13
